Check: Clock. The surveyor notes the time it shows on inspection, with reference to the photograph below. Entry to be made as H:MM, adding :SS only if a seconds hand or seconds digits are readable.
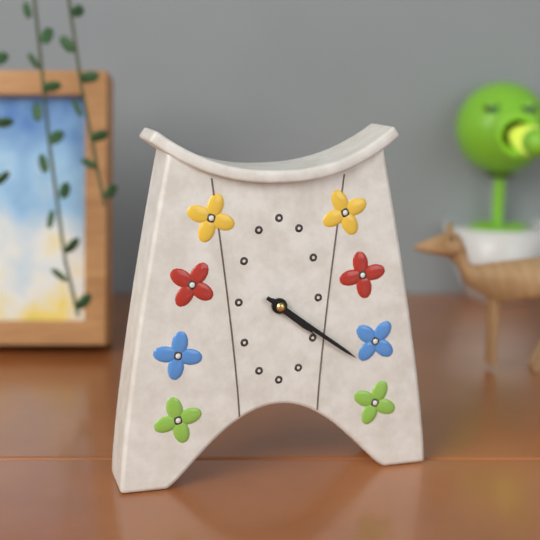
4:21
